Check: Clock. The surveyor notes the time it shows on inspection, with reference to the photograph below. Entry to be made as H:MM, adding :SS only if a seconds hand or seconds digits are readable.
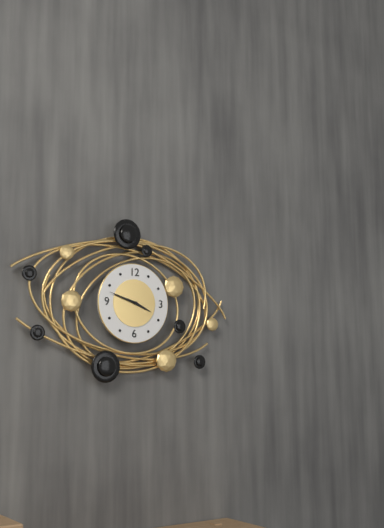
3:48
